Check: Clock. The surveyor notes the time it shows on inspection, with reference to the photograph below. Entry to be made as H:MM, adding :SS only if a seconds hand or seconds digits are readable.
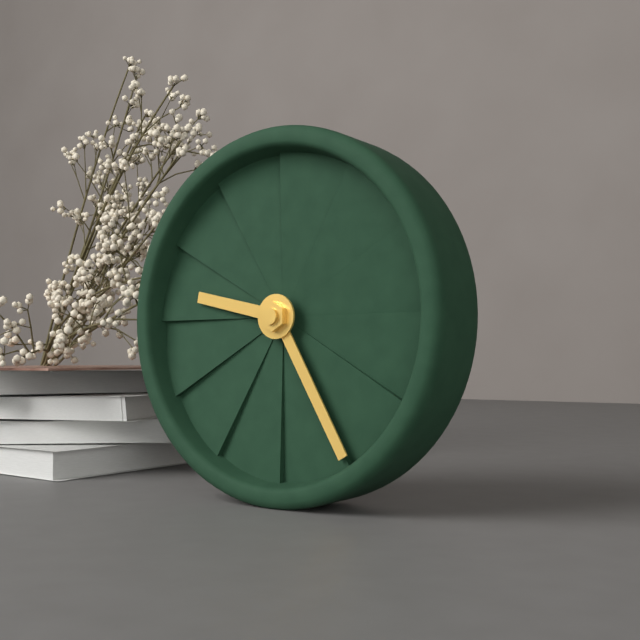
9:25
